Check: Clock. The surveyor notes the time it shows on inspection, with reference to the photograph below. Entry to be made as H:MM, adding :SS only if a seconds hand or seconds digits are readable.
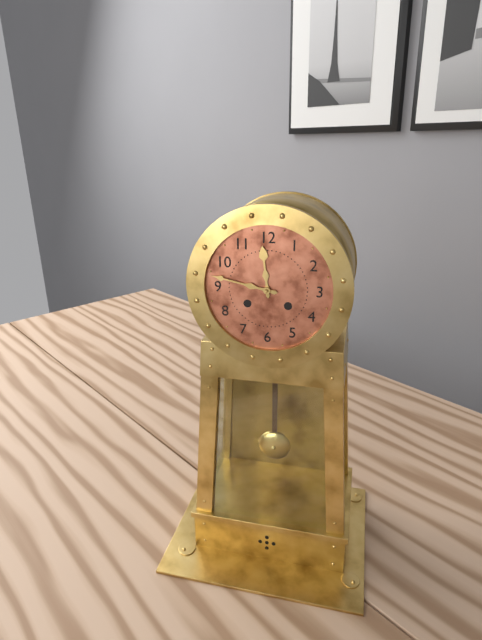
11:47
